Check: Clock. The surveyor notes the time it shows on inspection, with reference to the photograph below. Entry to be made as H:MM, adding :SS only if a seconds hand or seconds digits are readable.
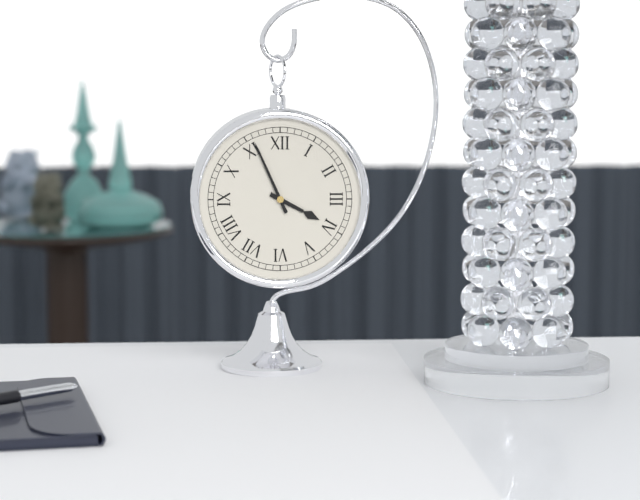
3:56
